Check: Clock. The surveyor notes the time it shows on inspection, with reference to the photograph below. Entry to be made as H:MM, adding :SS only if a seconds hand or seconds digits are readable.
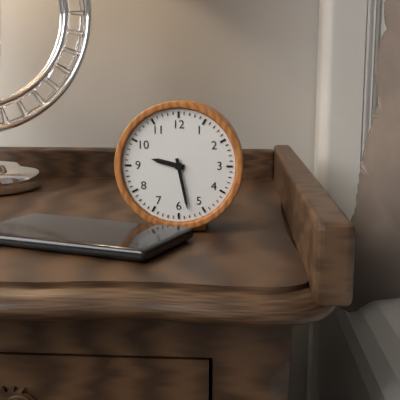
9:28
